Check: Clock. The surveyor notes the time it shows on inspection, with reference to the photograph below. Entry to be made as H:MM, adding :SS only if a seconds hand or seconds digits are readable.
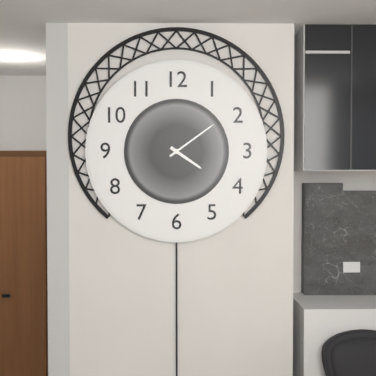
4:09
